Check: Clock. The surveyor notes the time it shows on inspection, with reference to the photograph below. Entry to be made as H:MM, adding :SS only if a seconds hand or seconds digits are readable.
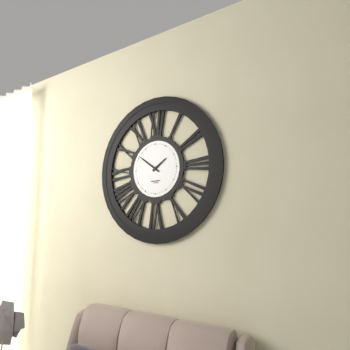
1:51
